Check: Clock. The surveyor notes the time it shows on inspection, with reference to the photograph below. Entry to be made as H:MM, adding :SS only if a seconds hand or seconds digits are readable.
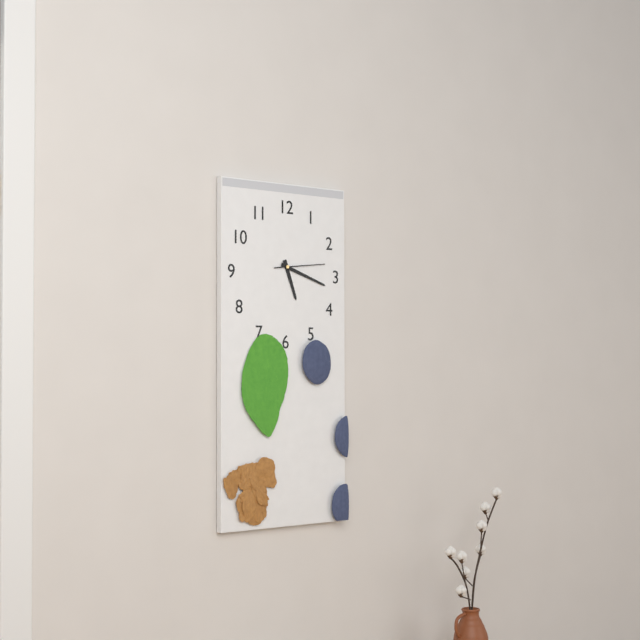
5:18
